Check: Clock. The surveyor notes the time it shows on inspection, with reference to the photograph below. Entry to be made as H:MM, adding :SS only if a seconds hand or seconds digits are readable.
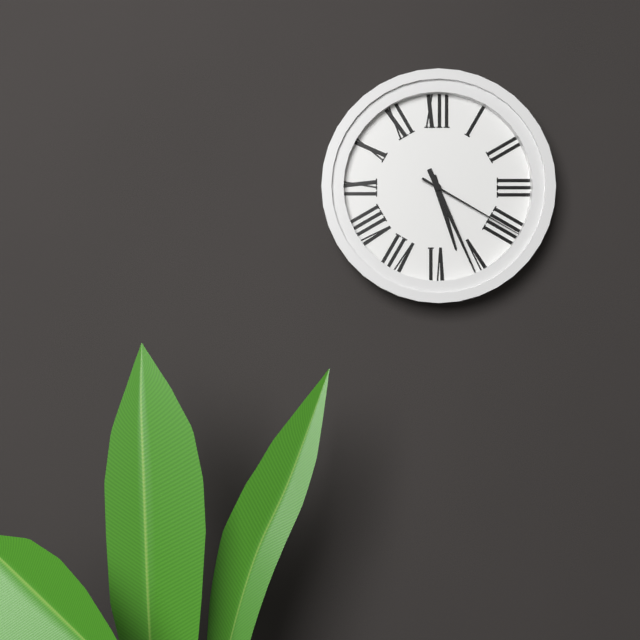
5:26:20
